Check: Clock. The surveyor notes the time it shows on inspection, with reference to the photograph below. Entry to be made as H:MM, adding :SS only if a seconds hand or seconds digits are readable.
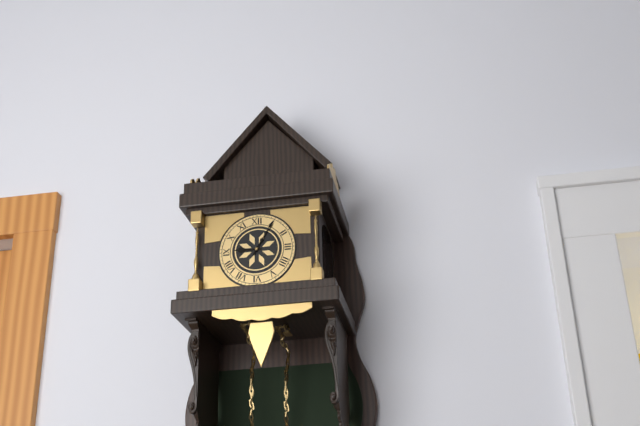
9:05
